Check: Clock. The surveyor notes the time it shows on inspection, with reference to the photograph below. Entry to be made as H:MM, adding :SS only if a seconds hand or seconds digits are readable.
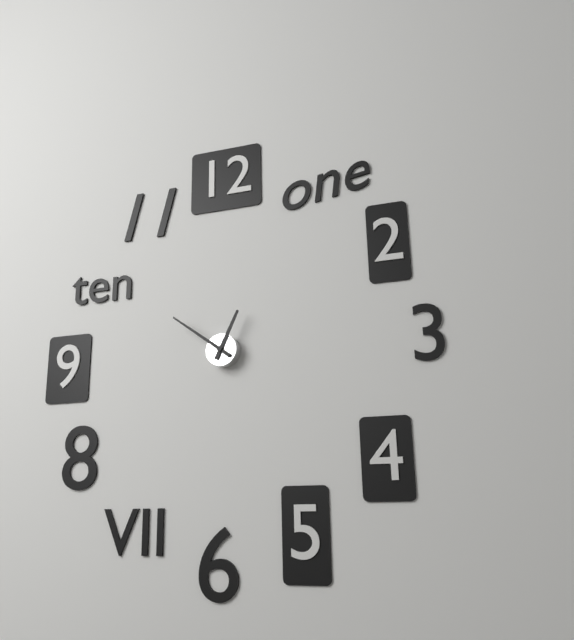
12:51
